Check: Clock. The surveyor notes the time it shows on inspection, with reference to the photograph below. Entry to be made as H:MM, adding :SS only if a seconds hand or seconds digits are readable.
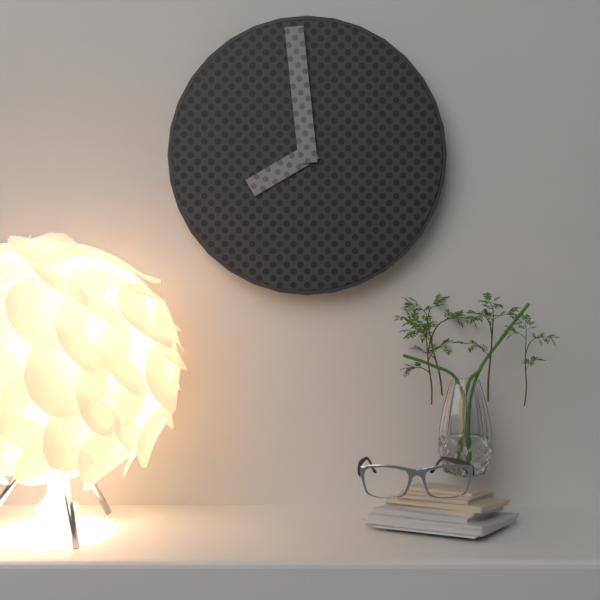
7:59
